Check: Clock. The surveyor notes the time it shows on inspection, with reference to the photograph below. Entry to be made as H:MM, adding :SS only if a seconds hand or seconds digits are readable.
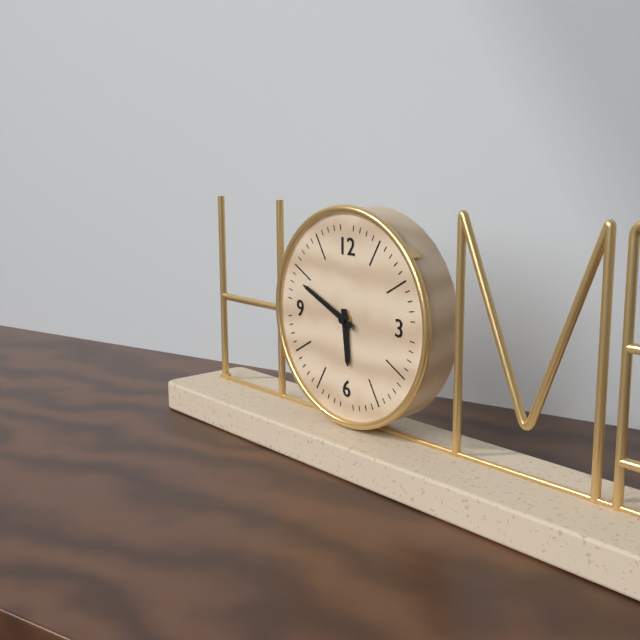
5:49
